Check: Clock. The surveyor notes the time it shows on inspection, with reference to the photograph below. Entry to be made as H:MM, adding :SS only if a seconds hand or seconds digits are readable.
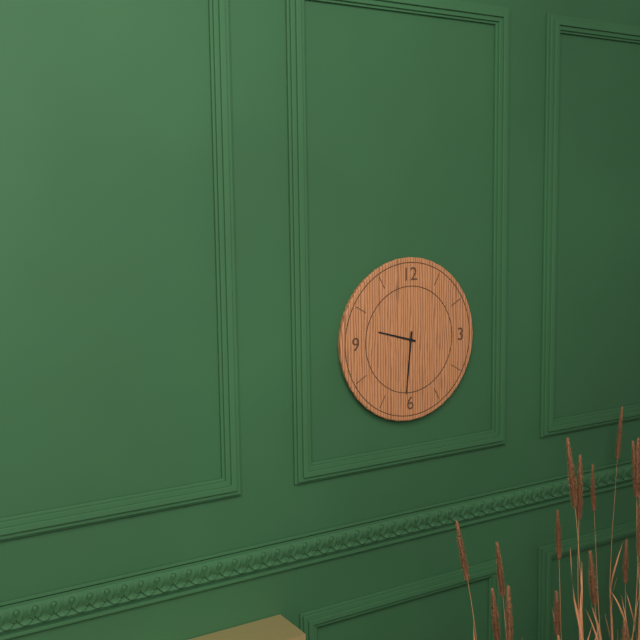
9:31
